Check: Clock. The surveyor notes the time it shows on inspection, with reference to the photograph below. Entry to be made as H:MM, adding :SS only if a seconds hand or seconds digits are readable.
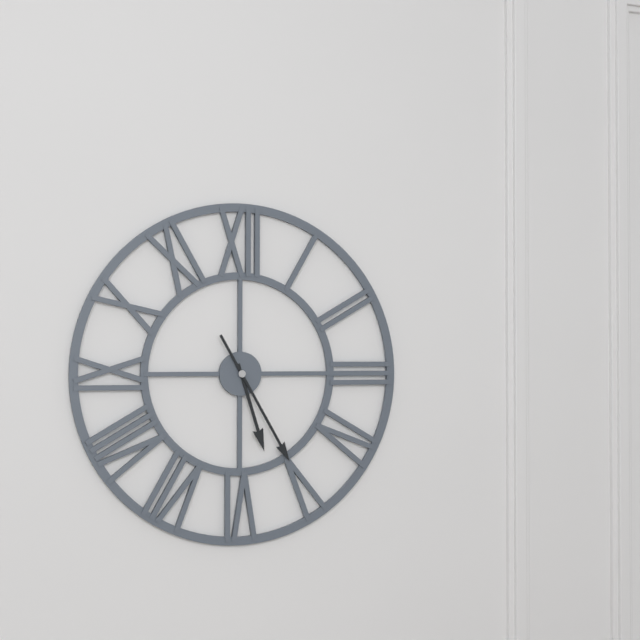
5:25
